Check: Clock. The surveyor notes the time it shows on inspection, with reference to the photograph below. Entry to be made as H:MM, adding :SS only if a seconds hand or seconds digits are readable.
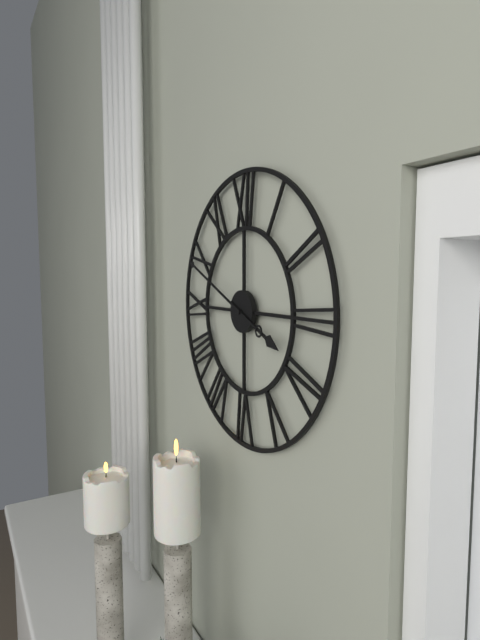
3:49
